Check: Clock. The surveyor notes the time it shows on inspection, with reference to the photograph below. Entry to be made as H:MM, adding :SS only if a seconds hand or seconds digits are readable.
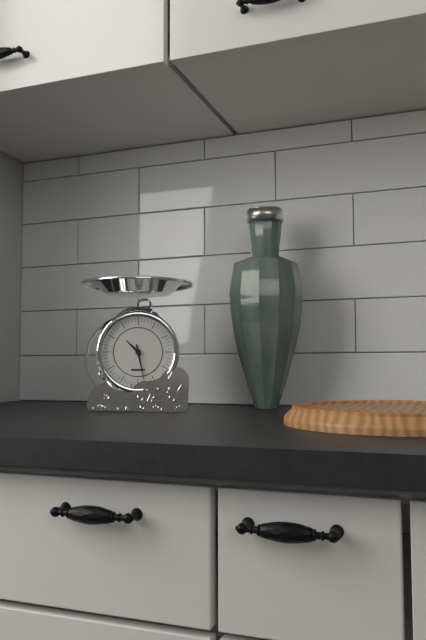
10:28
